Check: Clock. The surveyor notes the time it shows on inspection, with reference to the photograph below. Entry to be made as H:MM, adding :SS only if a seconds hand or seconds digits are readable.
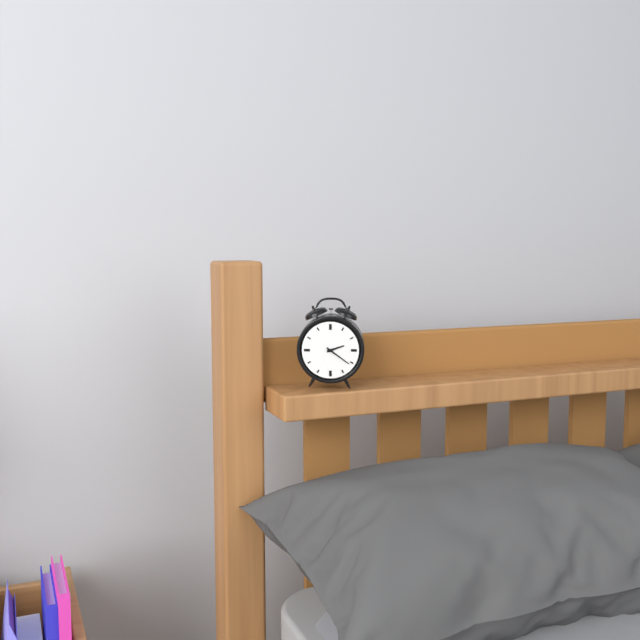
2:21
